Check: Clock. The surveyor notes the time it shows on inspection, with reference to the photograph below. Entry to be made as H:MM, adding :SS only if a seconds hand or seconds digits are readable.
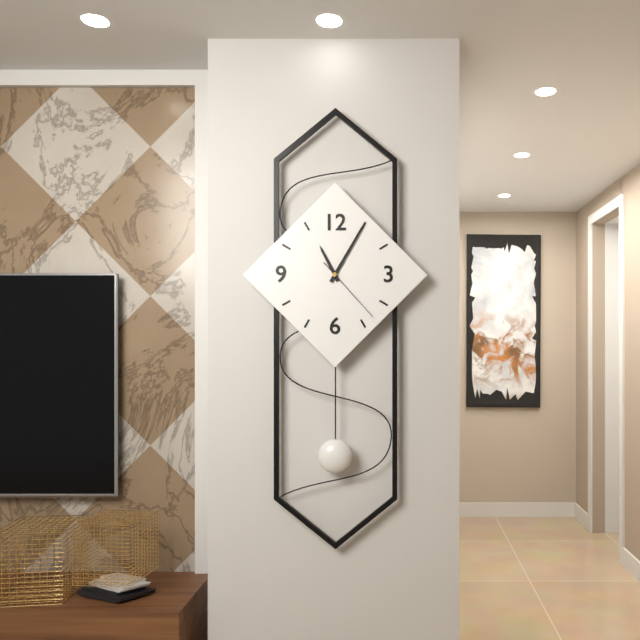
11:05:23
